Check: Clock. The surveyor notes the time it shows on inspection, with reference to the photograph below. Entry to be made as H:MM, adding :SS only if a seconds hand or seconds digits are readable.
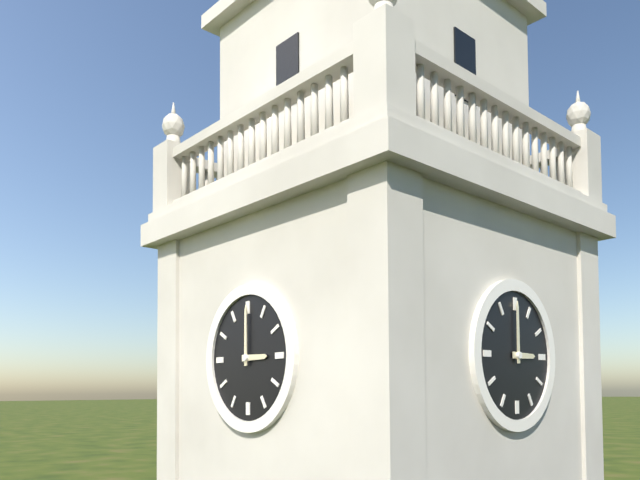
3:00
